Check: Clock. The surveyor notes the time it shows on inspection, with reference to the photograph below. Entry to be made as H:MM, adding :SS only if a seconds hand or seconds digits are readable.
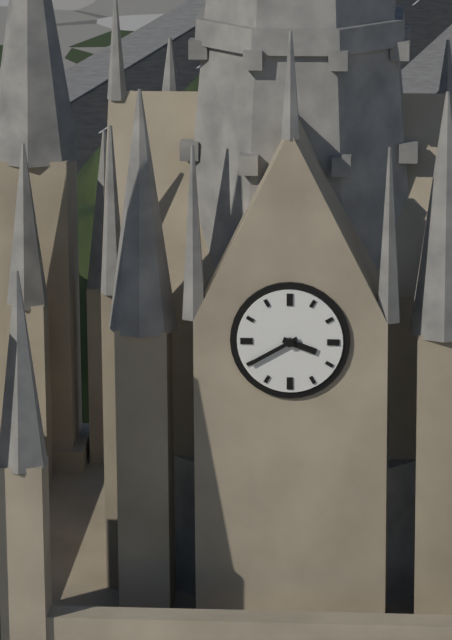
3:40
